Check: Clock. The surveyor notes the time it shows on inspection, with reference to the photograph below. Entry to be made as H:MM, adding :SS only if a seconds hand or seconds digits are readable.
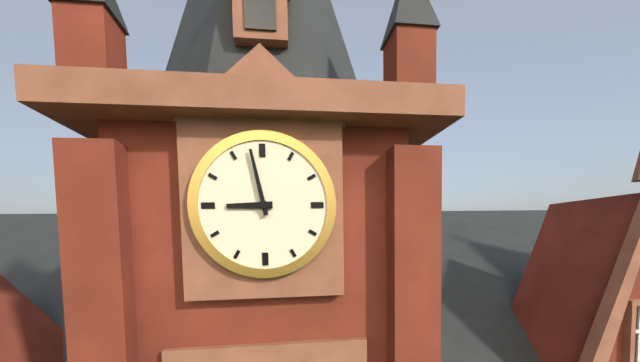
8:58
